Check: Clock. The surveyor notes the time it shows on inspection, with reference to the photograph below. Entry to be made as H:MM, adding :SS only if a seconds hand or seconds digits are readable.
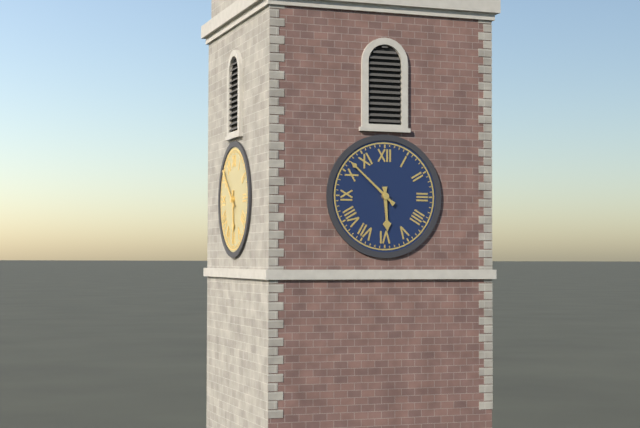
5:52
